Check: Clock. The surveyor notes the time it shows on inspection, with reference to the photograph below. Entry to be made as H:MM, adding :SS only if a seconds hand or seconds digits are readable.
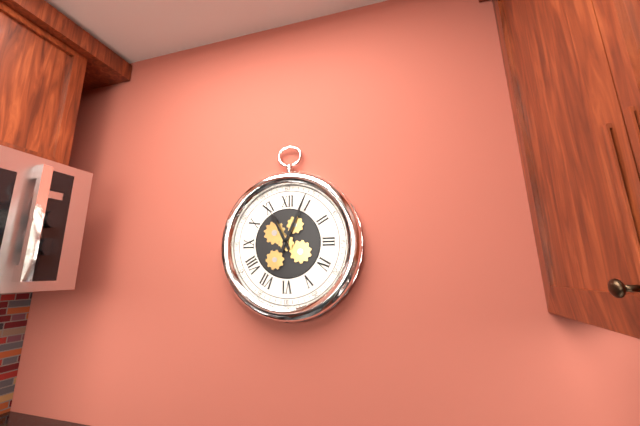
11:04
